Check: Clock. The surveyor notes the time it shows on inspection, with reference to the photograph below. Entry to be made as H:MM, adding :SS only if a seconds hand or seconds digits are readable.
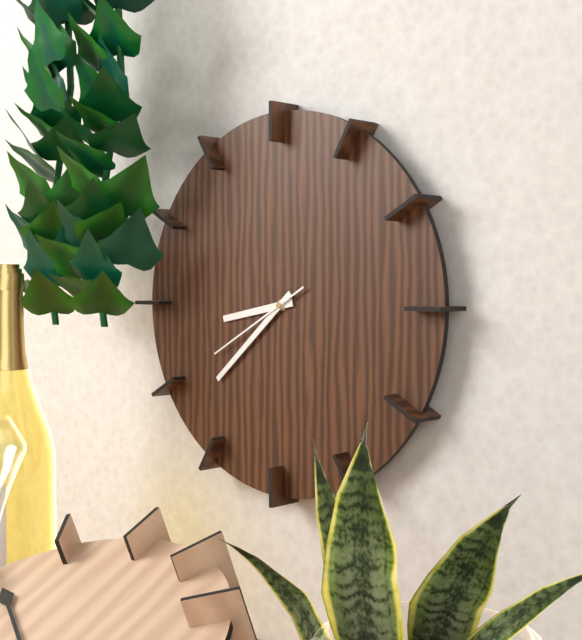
8:38:40
